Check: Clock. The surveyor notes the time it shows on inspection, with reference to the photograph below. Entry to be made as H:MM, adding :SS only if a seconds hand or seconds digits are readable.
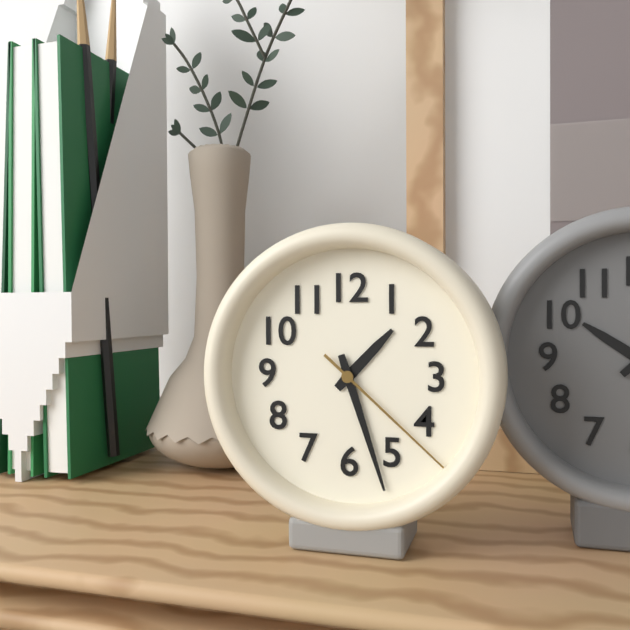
1:27:22
